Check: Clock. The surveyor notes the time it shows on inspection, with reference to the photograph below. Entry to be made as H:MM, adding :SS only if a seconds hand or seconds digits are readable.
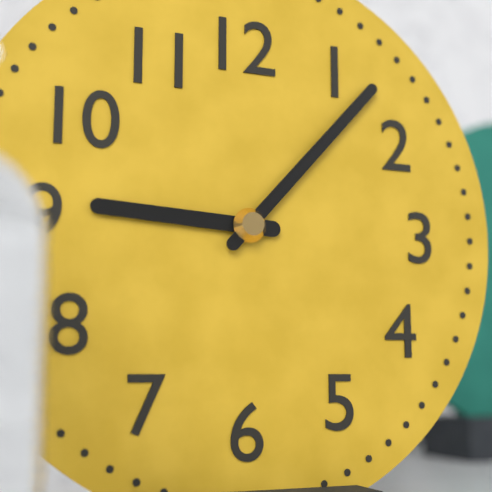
9:07
